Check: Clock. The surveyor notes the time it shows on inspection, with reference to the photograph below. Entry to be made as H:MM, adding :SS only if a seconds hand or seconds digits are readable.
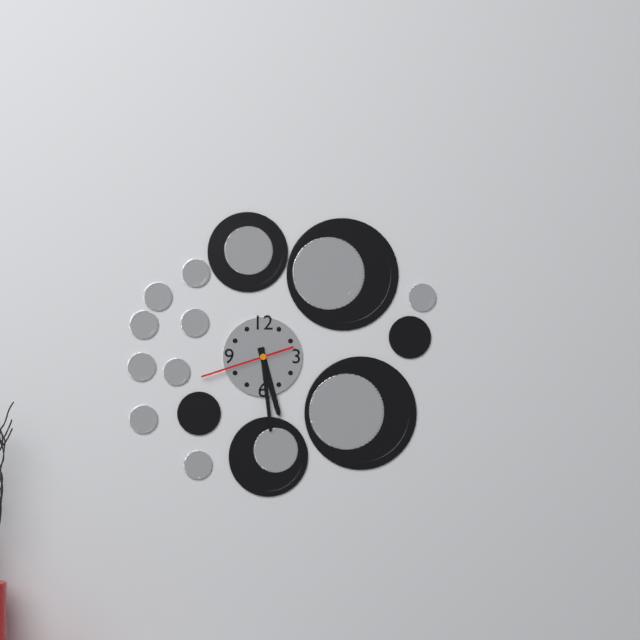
5:29:42
